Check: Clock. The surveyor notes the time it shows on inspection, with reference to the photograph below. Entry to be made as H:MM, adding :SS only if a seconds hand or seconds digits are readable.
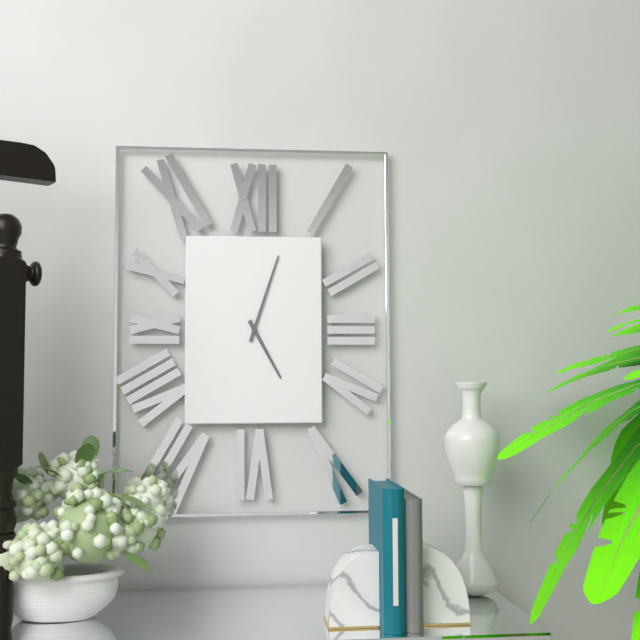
5:03
